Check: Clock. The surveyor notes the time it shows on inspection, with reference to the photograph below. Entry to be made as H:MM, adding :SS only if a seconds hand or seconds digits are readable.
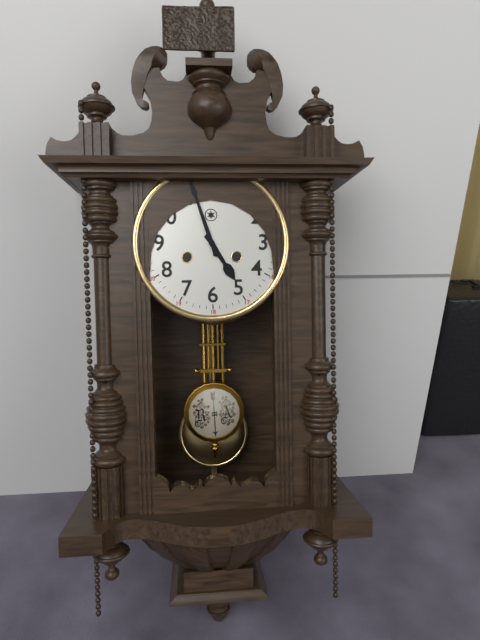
4:57
